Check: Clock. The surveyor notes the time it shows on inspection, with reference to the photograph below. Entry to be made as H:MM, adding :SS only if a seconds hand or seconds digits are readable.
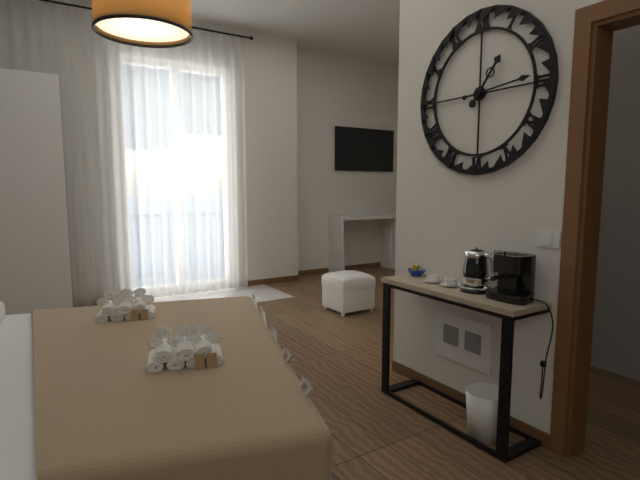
1:14
